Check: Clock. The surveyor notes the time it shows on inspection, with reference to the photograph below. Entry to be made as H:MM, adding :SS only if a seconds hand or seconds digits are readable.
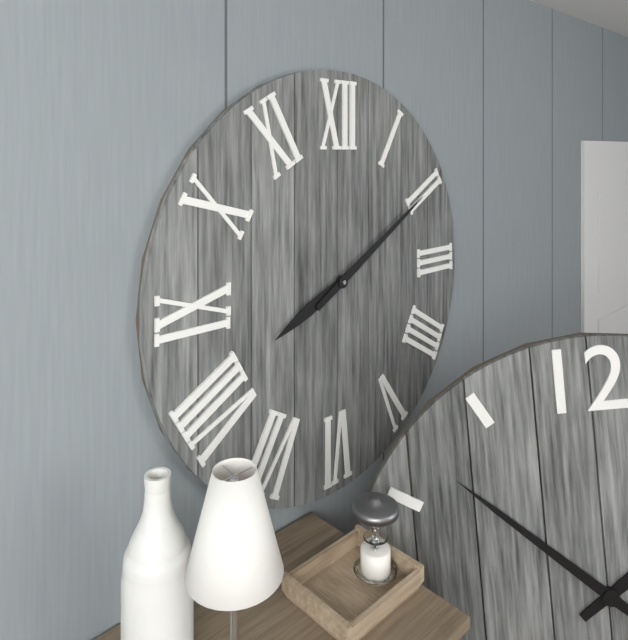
8:10
